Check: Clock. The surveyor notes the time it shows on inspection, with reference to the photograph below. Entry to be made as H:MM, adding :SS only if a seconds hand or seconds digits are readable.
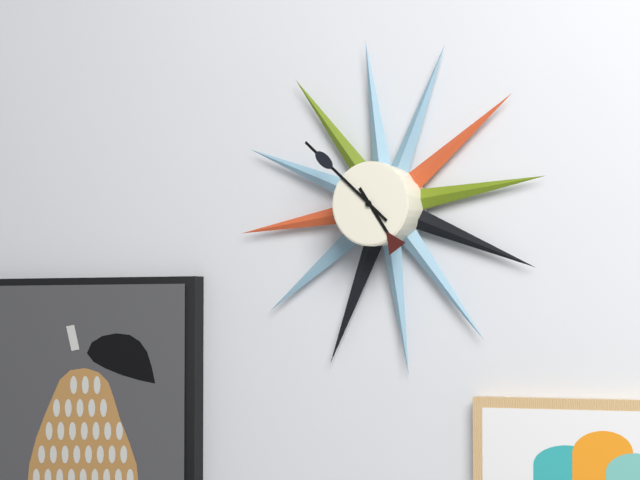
4:52
